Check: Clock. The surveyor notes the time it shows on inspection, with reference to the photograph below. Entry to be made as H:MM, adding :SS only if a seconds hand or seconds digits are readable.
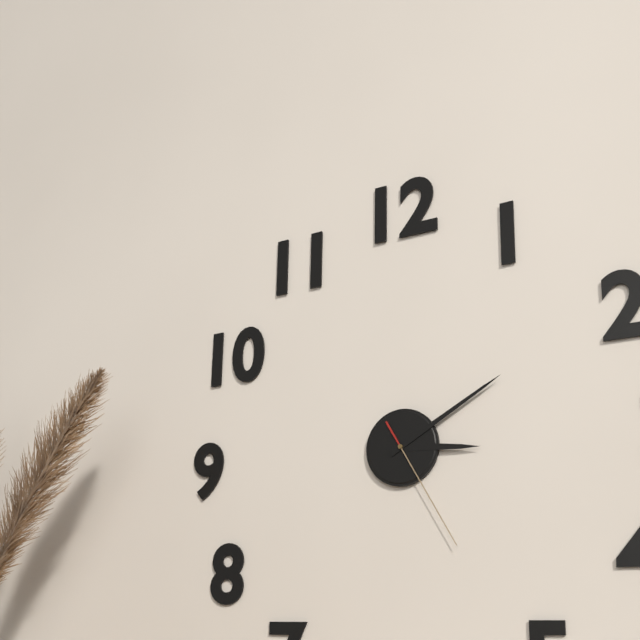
3:10:25
